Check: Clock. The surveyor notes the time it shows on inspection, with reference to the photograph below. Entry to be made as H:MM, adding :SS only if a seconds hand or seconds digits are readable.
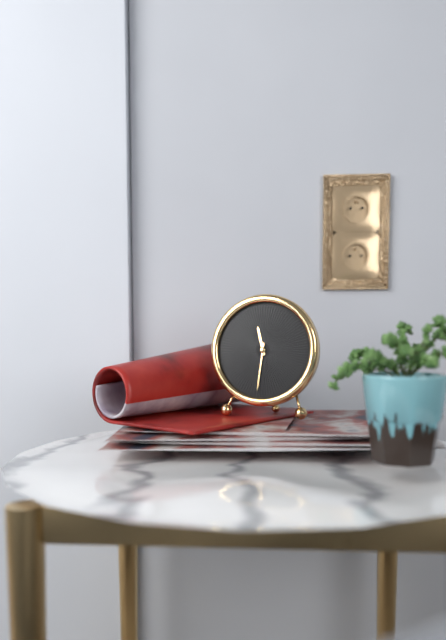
11:31
